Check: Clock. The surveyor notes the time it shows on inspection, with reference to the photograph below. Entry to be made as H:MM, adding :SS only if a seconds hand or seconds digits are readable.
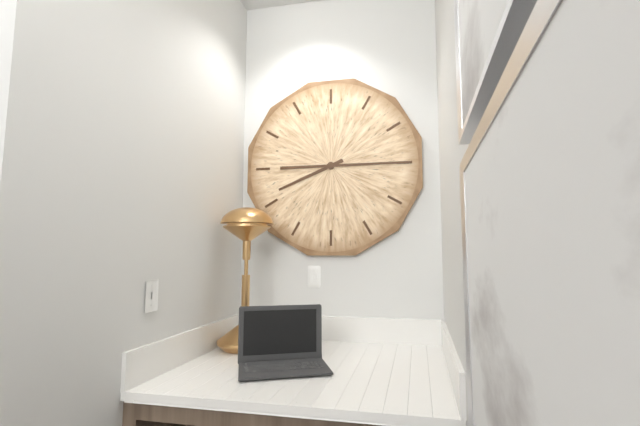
8:15
